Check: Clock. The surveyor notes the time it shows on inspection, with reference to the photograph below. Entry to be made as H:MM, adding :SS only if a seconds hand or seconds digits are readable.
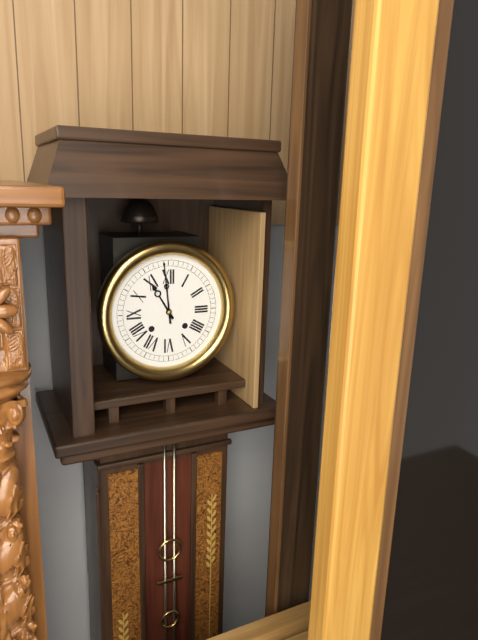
10:59
